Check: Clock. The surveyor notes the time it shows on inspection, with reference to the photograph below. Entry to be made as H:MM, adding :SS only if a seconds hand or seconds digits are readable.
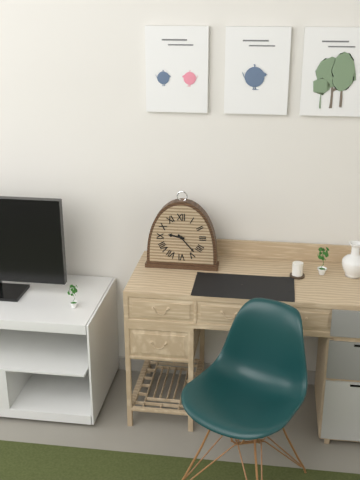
9:23
